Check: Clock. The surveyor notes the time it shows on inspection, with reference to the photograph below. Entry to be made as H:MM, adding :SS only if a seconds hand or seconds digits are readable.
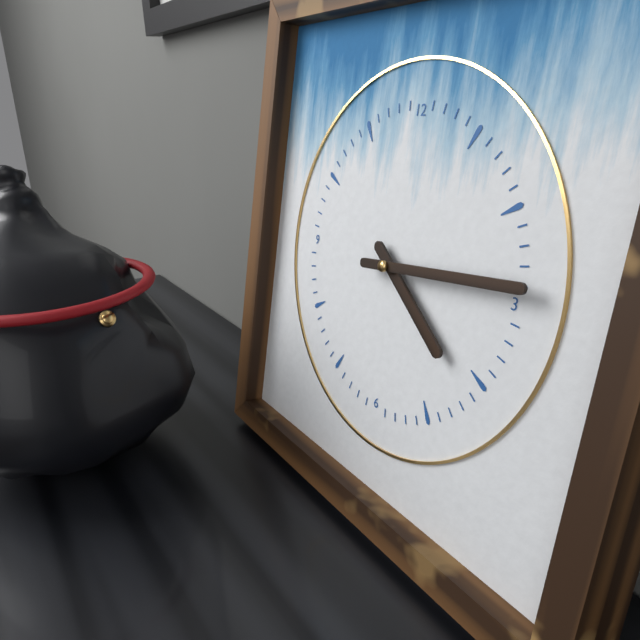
4:14
